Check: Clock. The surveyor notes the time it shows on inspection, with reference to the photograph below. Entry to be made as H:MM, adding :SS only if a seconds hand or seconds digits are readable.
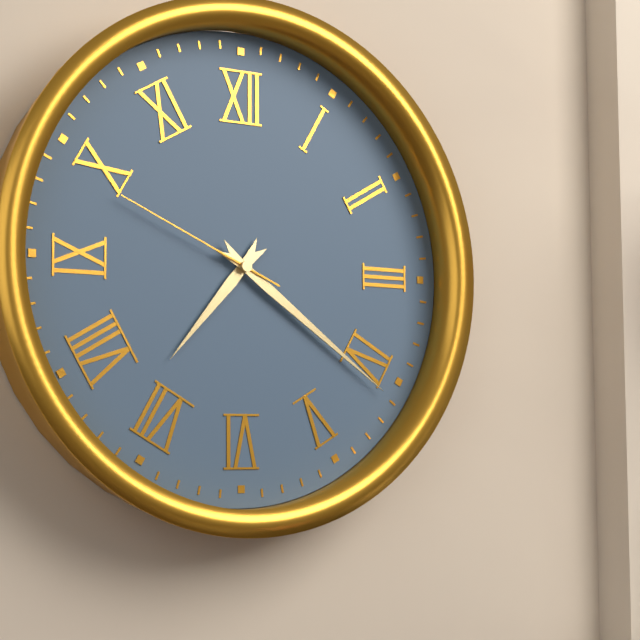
7:21:49
